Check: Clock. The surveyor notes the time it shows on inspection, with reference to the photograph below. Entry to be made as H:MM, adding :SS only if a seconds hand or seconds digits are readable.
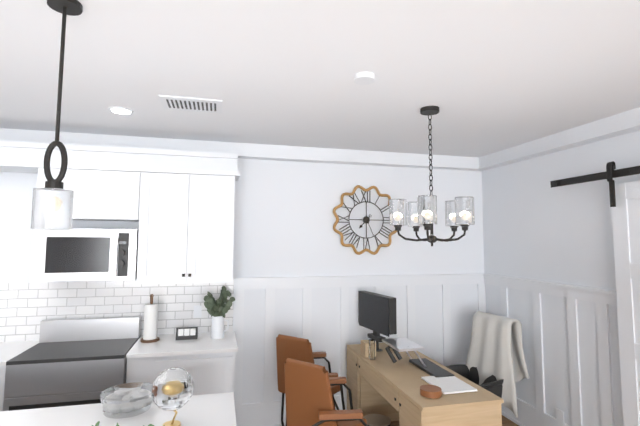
7:26
